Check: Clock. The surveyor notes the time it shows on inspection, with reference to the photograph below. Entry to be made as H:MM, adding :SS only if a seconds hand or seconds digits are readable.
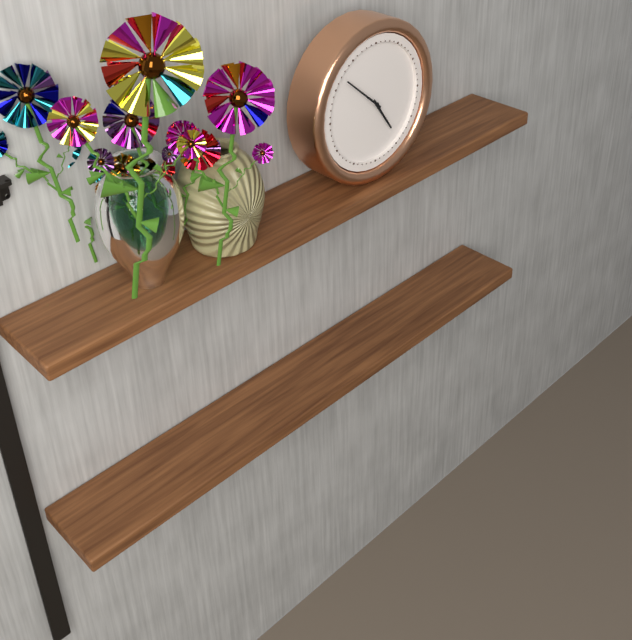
4:52
